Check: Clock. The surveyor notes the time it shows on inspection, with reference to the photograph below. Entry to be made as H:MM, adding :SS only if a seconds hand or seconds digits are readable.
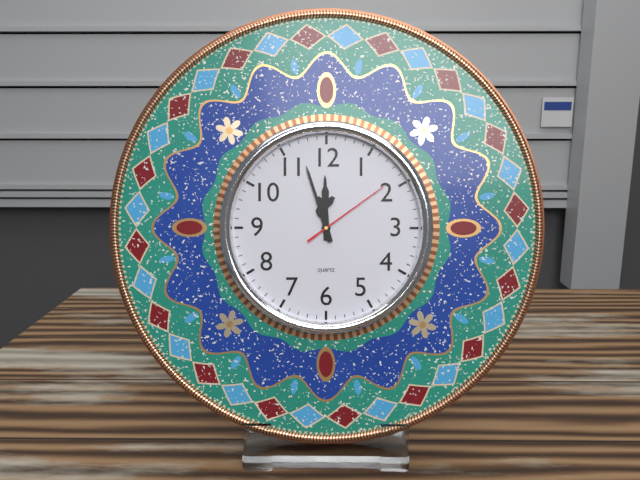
11:57:09
